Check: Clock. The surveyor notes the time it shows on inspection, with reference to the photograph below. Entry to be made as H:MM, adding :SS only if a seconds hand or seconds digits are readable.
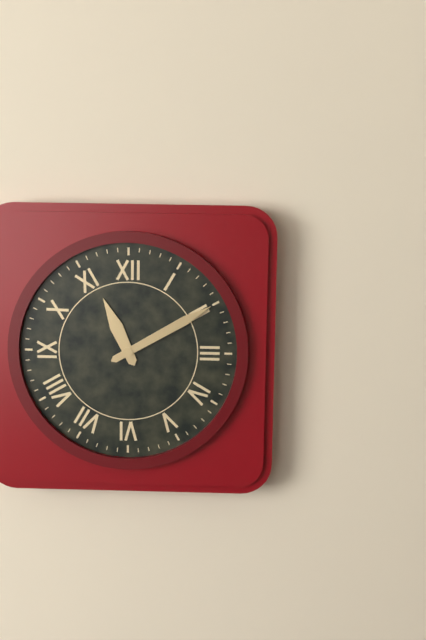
11:10
